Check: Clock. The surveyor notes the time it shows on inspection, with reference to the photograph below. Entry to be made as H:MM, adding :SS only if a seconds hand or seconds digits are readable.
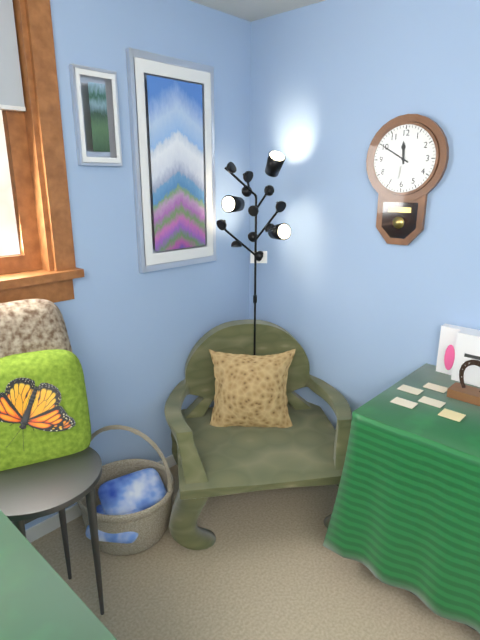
11:50
